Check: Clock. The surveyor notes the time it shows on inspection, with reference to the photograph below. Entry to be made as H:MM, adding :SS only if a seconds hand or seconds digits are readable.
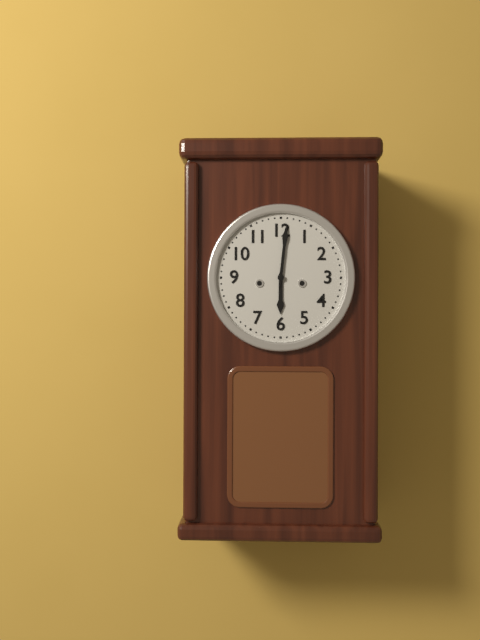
6:01
